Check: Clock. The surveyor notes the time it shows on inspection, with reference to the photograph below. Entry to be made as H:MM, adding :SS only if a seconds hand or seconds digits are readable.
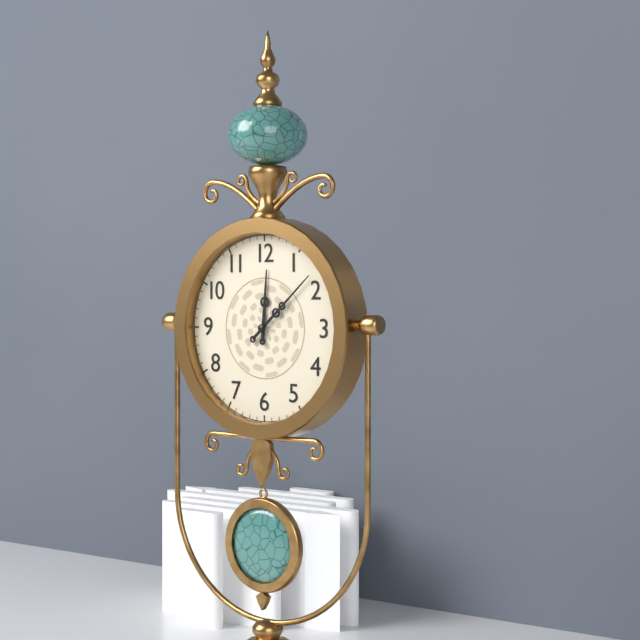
12:08
